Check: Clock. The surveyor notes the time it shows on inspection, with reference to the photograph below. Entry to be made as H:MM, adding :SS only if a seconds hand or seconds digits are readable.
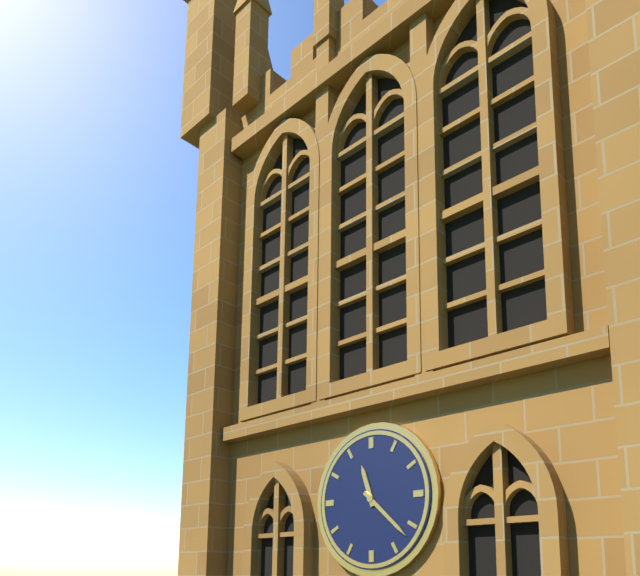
11:22
